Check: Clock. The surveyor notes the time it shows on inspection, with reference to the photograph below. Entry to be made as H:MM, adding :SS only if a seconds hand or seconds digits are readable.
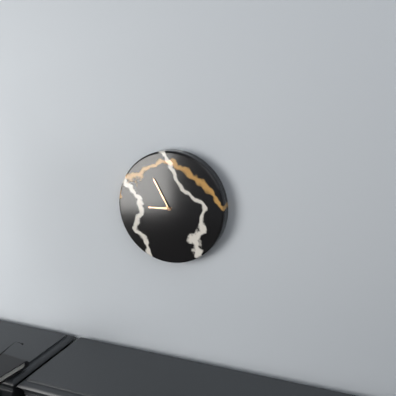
8:55
